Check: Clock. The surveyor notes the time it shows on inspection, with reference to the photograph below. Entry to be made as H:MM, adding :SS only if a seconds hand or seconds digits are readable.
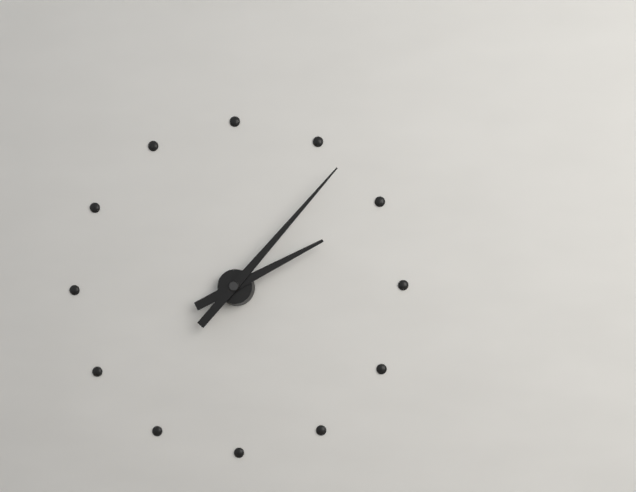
2:07
